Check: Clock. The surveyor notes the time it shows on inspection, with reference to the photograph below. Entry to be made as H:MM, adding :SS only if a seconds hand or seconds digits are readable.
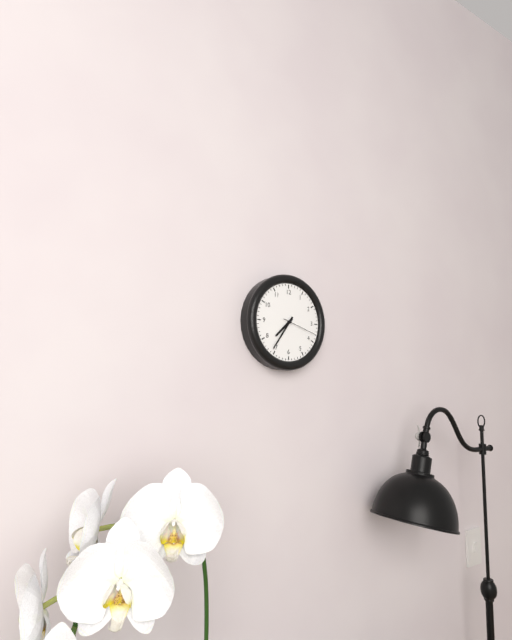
7:36
